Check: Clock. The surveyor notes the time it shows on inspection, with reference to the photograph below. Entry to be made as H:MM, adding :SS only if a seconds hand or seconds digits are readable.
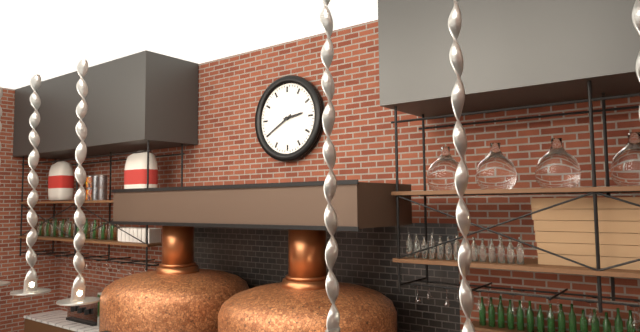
2:40
